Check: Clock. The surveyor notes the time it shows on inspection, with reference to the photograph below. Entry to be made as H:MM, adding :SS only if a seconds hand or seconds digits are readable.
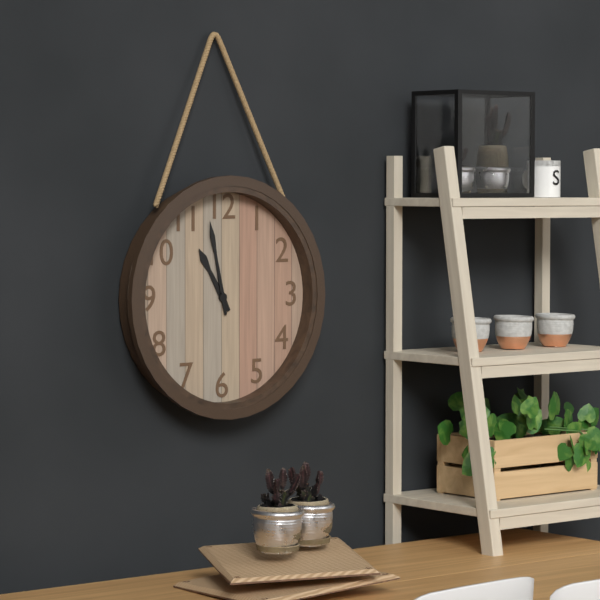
10:58
